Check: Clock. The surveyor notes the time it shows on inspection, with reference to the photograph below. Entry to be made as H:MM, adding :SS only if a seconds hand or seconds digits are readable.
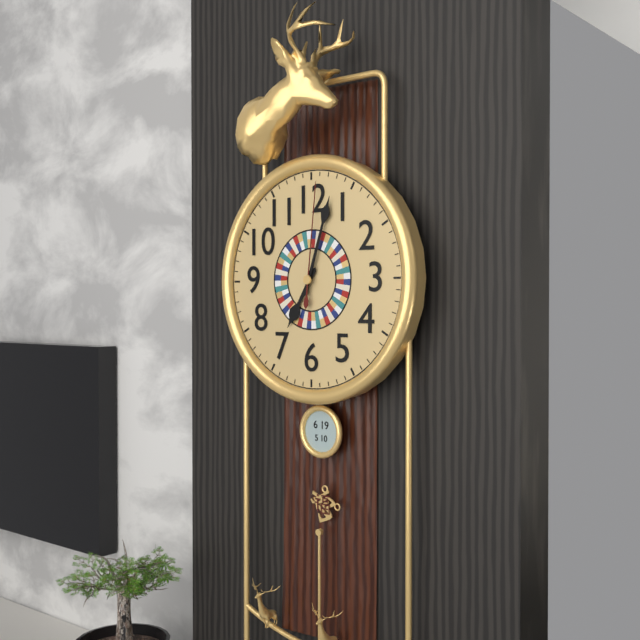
7:03:01
